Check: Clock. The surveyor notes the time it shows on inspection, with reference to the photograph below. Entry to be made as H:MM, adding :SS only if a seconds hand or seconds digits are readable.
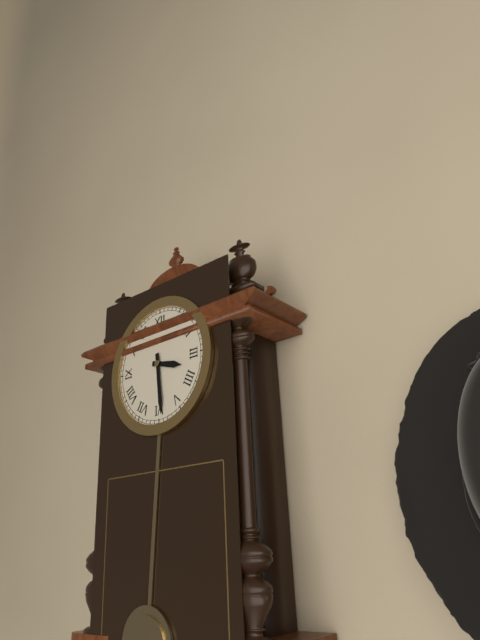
3:29
